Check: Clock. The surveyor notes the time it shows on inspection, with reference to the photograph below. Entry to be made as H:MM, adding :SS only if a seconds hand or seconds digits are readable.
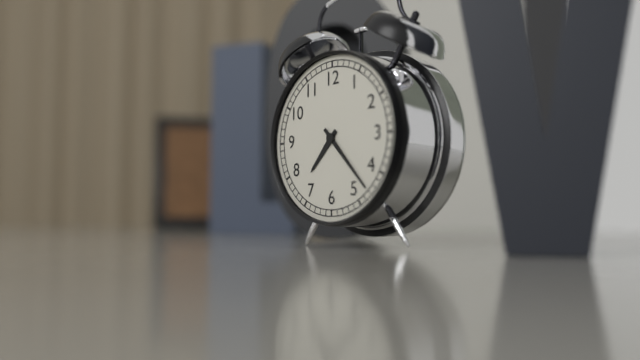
7:23
